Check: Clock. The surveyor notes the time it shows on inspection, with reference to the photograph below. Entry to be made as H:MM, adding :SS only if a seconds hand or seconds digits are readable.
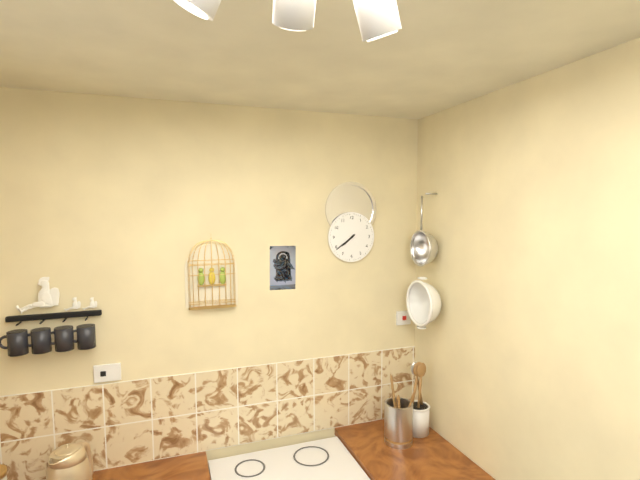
7:39
